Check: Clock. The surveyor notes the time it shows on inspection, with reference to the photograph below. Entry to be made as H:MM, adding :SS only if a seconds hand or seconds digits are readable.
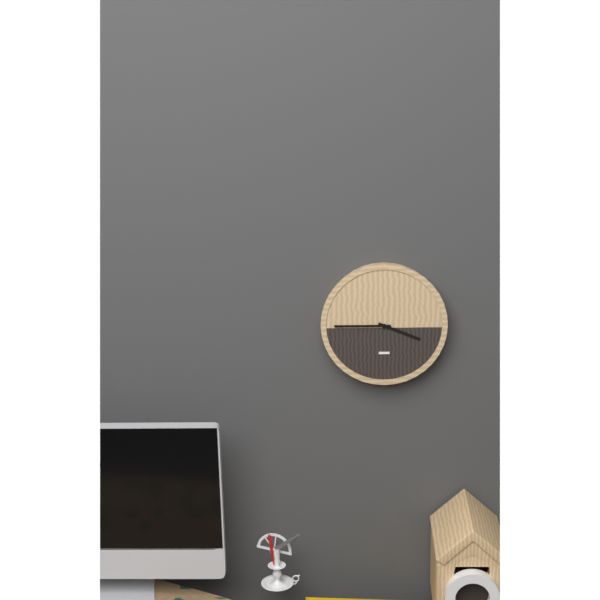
3:45
